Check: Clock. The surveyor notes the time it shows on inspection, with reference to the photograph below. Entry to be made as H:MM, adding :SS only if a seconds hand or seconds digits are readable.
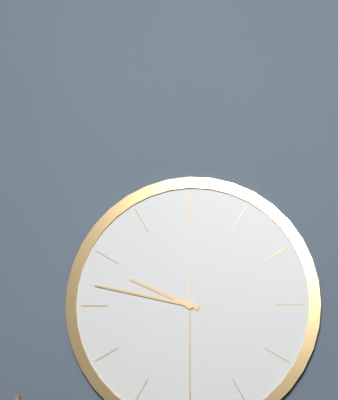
9:47
